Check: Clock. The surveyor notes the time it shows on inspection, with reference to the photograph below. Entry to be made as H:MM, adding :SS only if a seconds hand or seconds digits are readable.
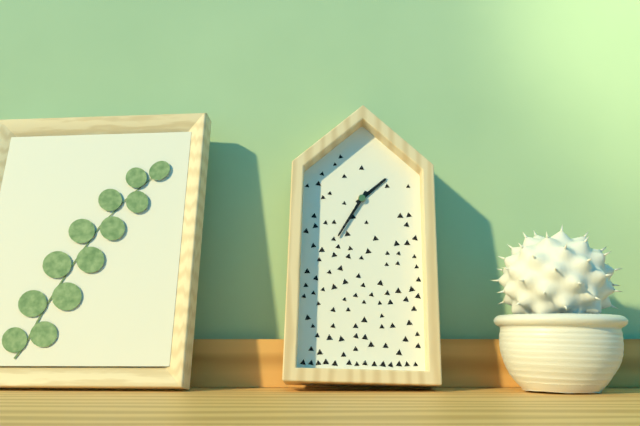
1:35
